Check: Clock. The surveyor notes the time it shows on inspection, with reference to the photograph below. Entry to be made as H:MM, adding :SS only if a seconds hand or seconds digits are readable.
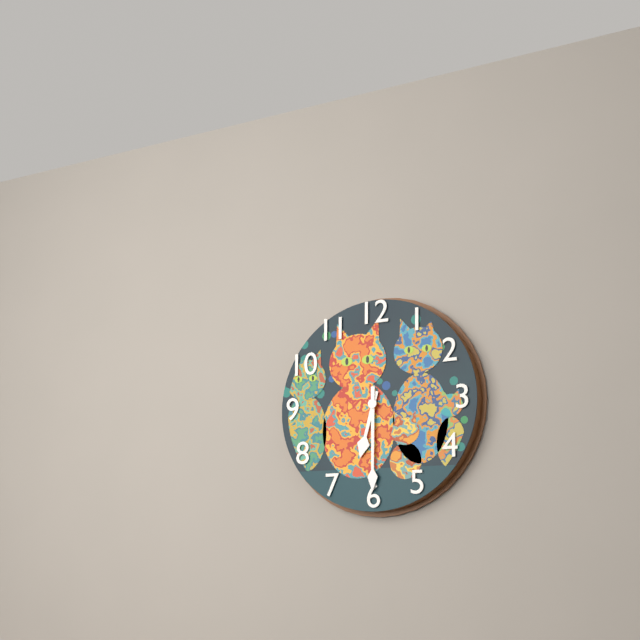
6:30
